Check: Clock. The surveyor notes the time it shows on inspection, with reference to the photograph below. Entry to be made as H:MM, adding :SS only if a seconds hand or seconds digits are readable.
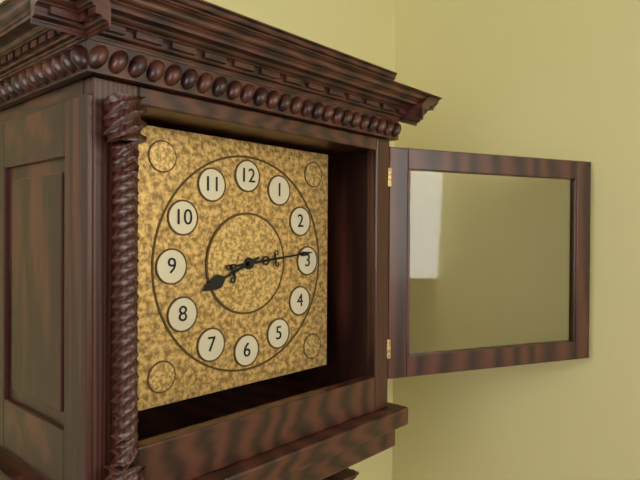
8:14
